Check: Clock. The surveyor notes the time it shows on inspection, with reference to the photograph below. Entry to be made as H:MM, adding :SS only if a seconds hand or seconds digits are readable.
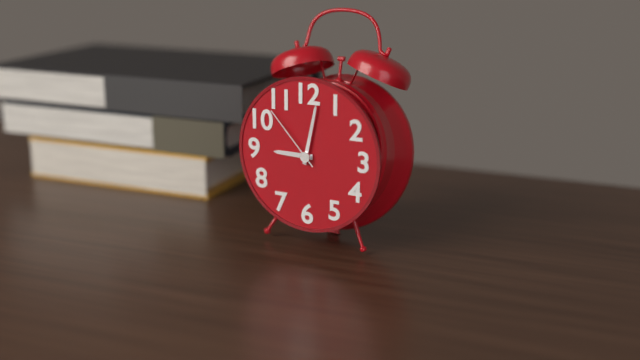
9:02:53
